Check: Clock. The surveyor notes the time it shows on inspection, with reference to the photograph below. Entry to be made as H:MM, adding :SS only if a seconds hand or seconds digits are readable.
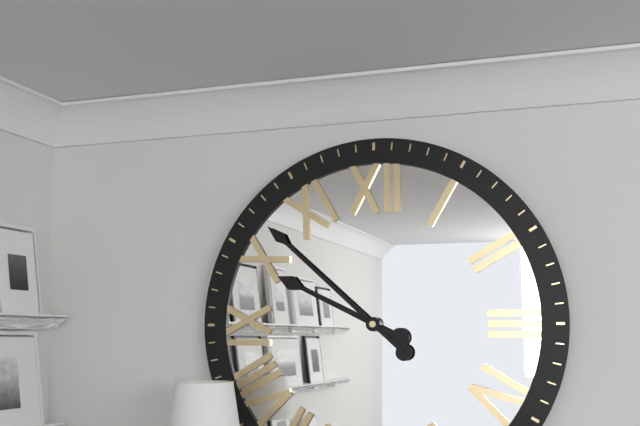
9:52
